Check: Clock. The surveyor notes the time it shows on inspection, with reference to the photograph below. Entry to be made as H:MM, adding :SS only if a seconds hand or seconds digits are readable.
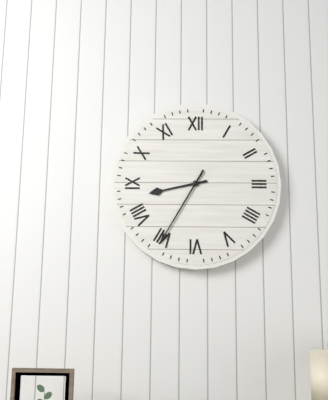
8:35
